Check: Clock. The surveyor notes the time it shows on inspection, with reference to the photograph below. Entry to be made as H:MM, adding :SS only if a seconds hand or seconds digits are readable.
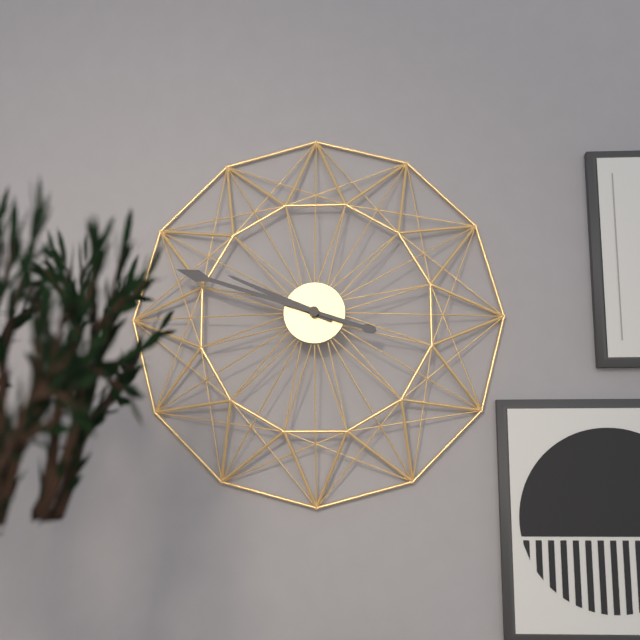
9:48
